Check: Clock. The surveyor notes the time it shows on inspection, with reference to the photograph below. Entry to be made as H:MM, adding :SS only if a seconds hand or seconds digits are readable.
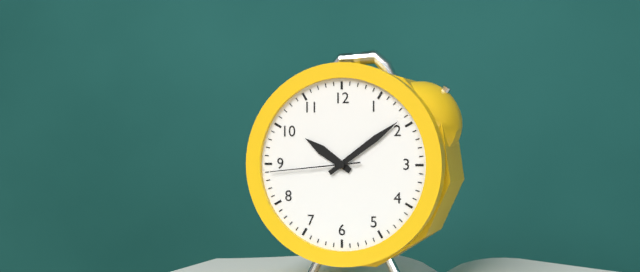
10:09:44
